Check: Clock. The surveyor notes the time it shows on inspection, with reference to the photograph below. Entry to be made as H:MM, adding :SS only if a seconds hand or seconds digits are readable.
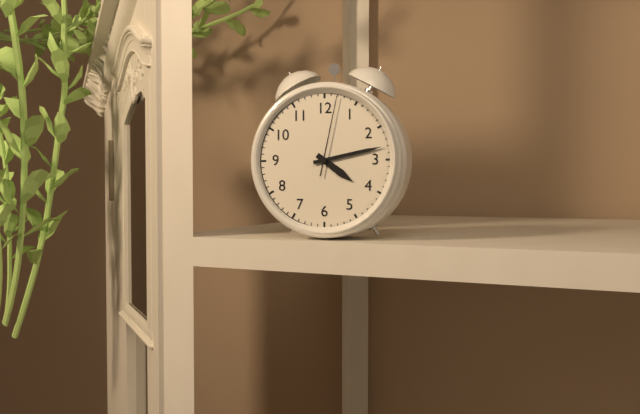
4:13:02
